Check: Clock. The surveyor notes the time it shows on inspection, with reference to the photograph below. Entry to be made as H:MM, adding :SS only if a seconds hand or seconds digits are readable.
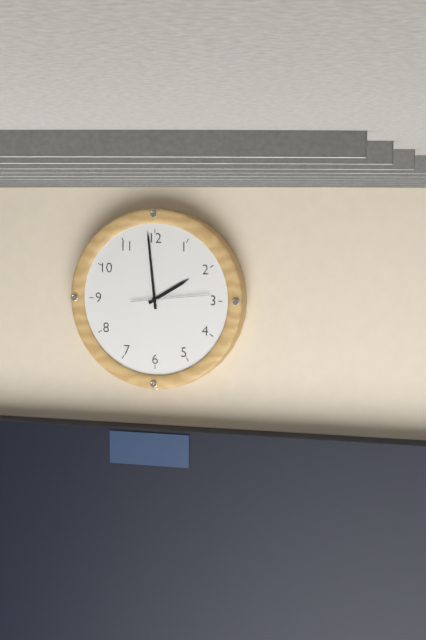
1:59:14
